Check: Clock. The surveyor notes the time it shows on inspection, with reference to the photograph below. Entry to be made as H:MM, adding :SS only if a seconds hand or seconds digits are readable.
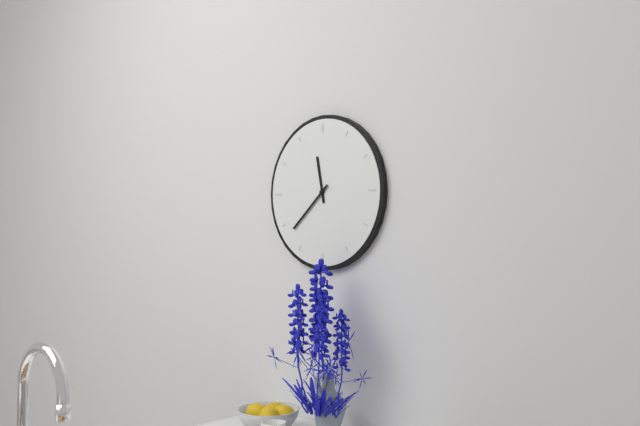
11:38
